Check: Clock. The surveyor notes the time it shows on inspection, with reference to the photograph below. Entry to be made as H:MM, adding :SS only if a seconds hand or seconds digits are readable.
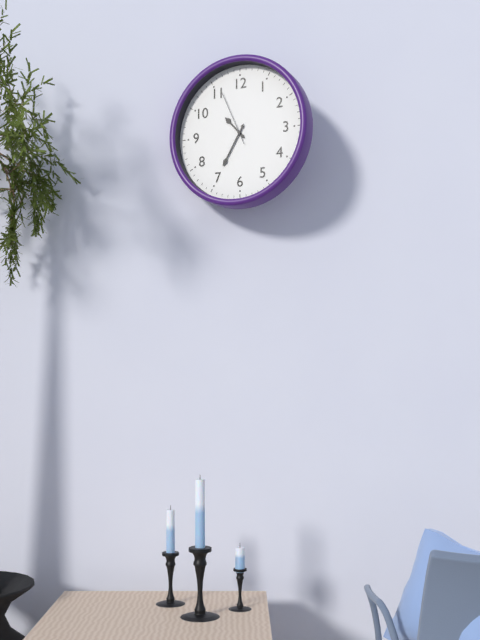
10:35:56
